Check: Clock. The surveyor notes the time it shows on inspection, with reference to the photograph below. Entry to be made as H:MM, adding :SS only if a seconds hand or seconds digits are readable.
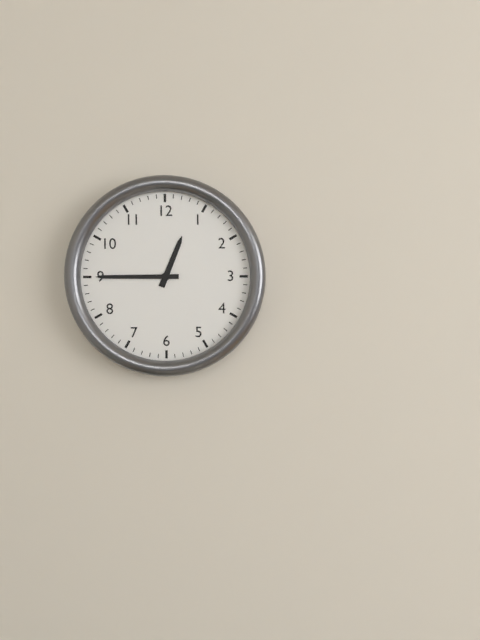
12:45
